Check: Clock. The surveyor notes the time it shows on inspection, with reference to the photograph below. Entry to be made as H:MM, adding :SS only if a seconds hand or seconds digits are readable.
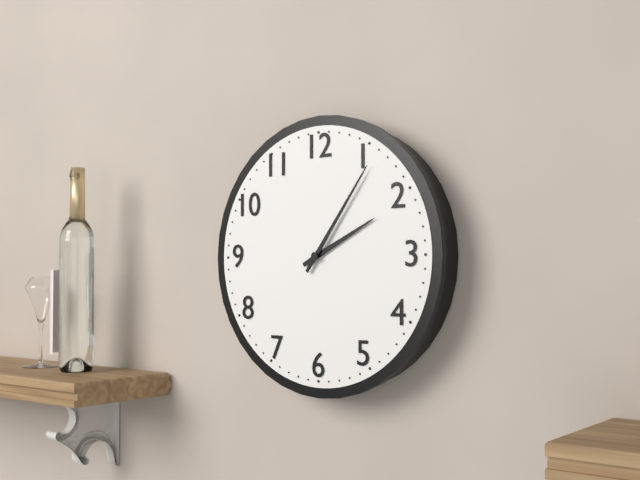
2:06
